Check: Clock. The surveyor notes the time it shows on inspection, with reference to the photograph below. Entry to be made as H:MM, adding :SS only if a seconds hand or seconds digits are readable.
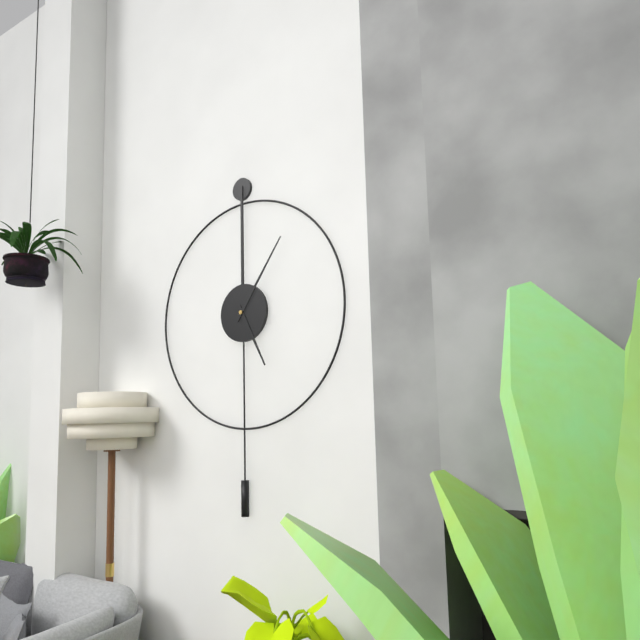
5:06
